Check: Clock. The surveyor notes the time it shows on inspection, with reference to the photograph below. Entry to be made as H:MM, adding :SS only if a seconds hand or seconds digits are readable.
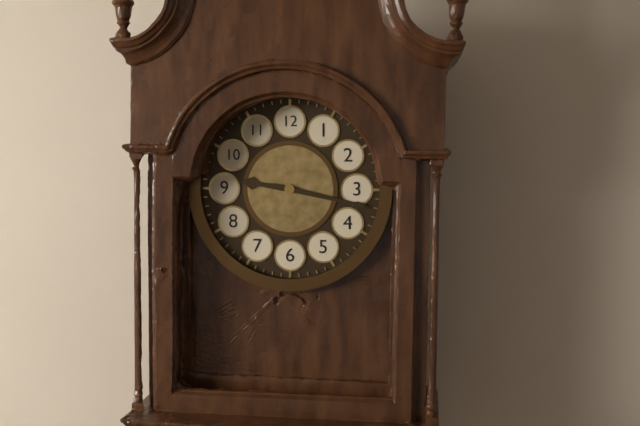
9:17
